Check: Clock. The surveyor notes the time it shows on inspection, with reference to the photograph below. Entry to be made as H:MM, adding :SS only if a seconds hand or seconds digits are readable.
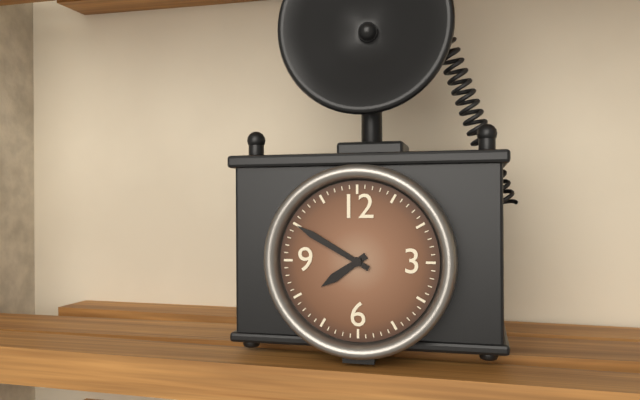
7:50
